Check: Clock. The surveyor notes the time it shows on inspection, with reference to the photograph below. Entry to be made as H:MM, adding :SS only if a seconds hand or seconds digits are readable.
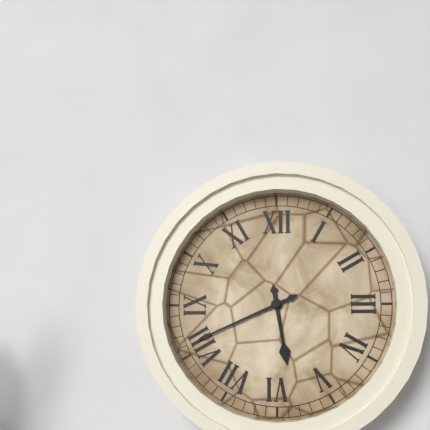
5:41
